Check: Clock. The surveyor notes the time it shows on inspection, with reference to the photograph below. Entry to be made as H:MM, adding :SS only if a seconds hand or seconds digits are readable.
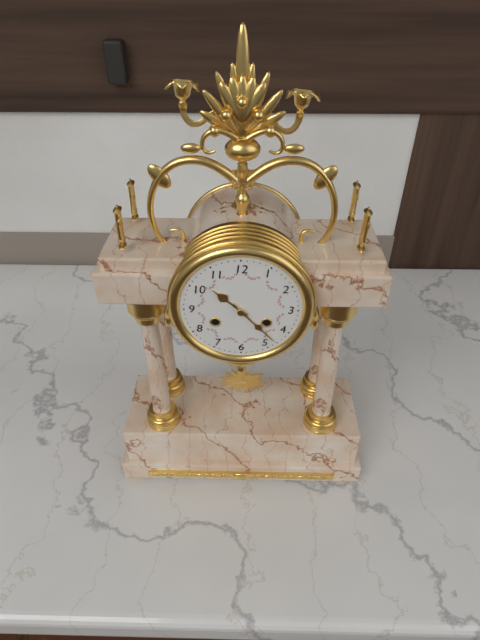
10:23
